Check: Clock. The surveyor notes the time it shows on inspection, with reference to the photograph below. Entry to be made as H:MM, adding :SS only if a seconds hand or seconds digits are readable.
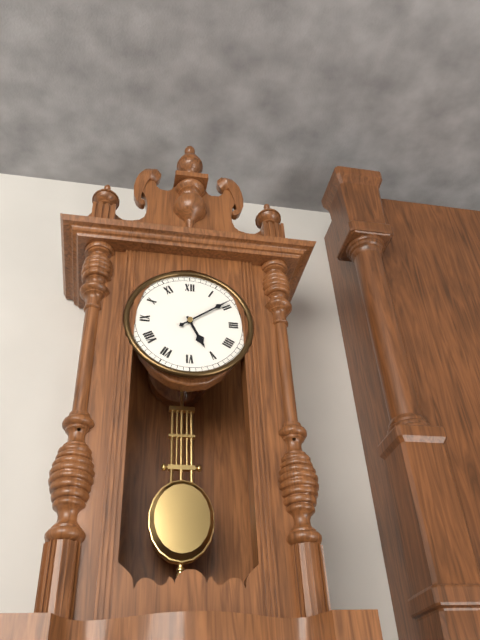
5:09
